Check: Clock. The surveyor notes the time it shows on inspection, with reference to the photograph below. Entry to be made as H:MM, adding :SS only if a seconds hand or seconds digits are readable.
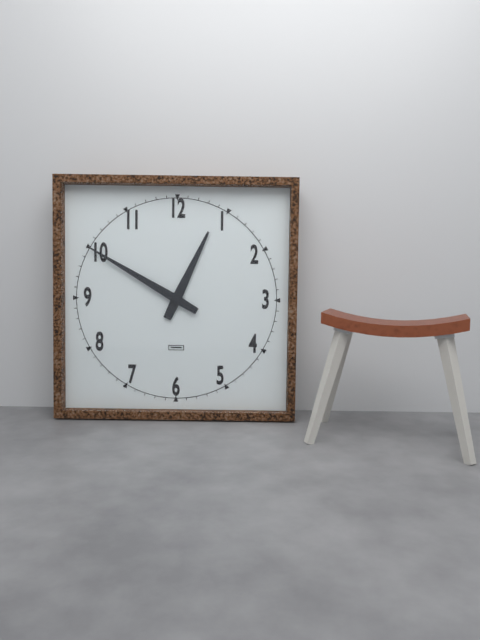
12:50
